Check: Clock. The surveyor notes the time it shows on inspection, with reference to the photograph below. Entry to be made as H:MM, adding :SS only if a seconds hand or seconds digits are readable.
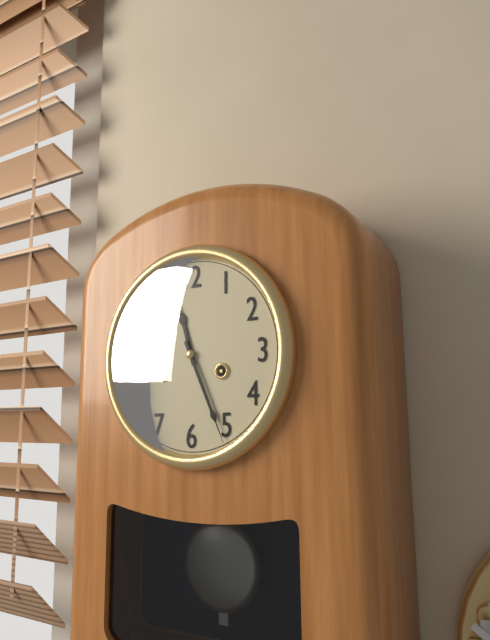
11:26
